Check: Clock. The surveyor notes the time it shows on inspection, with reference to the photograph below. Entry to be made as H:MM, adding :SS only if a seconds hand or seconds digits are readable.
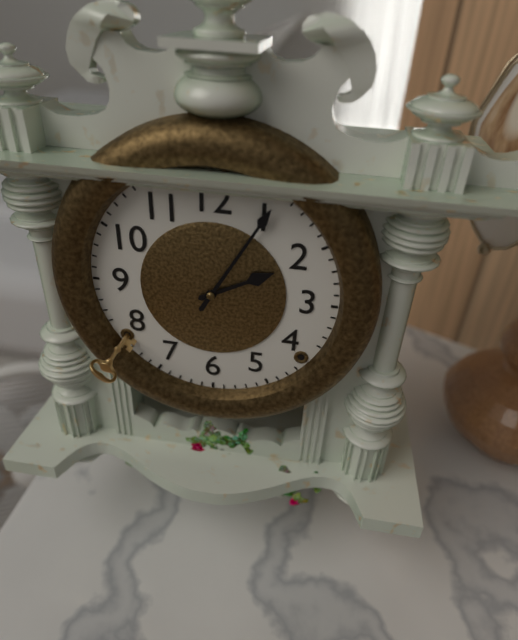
2:05
